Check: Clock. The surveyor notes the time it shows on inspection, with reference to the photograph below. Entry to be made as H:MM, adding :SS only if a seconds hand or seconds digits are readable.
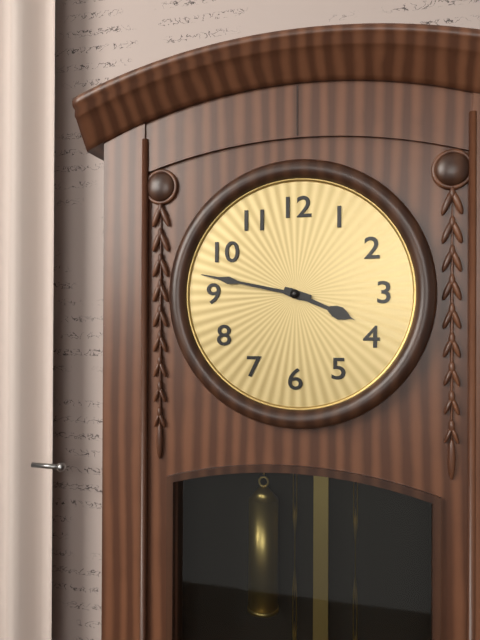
3:47
